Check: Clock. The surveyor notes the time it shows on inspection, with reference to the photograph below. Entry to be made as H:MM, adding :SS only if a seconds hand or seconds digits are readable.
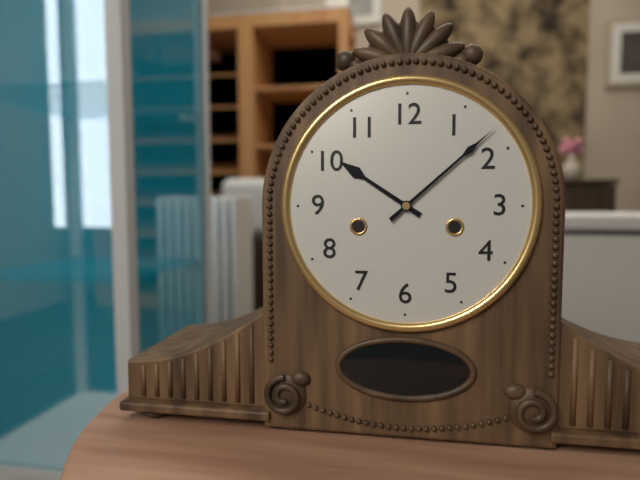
10:08
